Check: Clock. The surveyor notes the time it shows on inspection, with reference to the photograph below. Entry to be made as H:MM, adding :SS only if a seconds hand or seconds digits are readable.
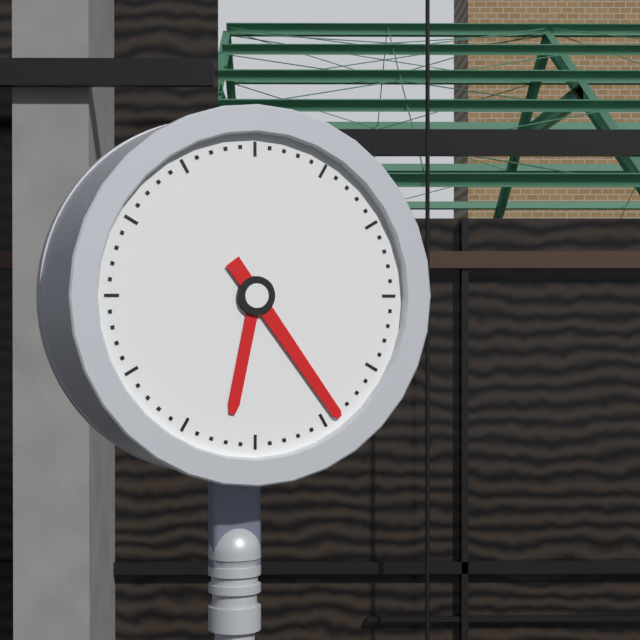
6:24
